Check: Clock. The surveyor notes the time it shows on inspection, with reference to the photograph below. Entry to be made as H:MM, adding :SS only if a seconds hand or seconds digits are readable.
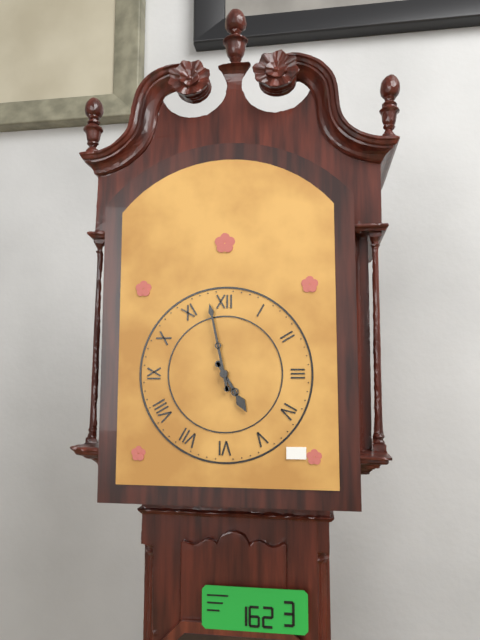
4:58
